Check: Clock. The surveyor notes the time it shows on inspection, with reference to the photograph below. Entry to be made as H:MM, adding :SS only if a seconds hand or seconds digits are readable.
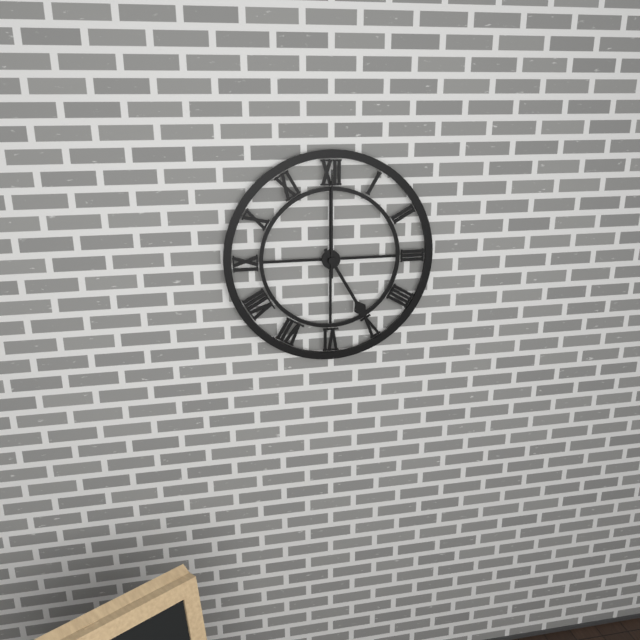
5:00
